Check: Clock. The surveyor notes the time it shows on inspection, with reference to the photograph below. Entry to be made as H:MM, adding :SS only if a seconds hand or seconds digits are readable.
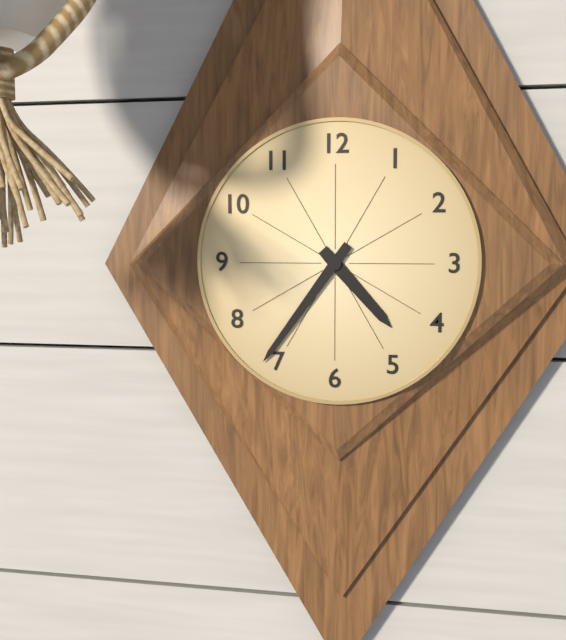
4:36
